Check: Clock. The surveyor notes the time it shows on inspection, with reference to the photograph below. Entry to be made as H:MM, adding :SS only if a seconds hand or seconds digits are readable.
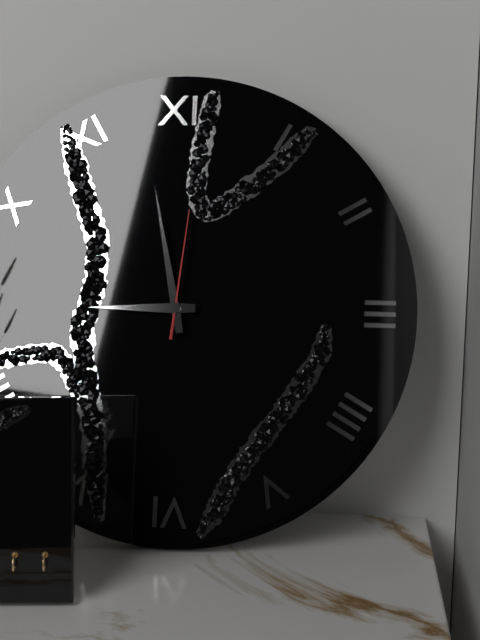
8:58:01
